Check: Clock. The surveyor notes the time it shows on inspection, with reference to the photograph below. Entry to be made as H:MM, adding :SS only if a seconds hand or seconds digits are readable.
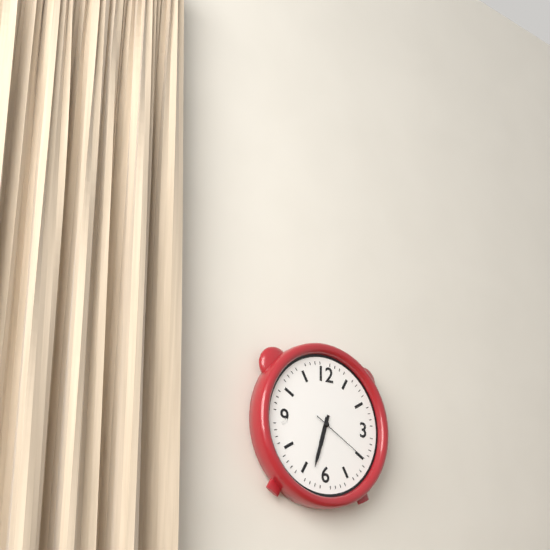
6:33:20
